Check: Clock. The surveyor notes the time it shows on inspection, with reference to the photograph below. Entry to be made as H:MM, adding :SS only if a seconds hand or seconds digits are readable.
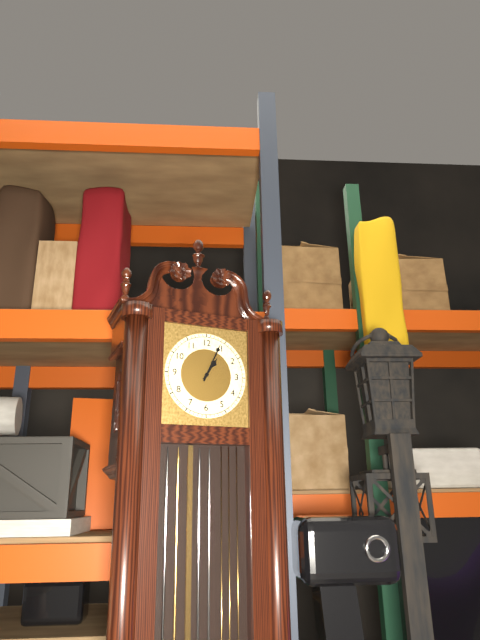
1:04
